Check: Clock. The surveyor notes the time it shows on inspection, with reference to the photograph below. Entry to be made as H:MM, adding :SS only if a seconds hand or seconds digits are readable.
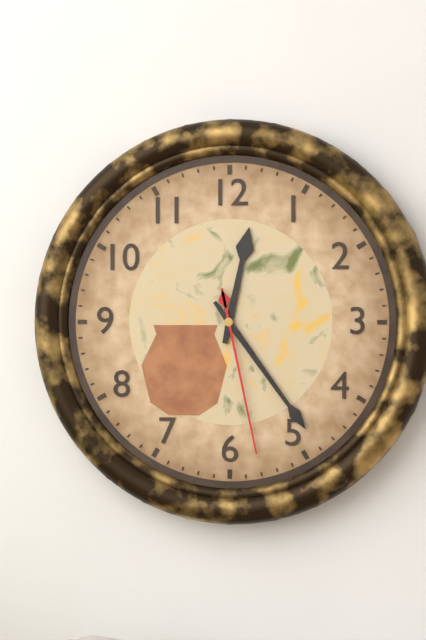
12:24:28
